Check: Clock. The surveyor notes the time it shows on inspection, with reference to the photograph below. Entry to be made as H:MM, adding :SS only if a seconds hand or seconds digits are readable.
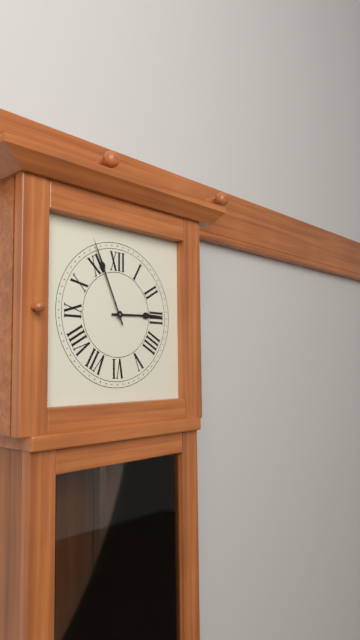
2:56
